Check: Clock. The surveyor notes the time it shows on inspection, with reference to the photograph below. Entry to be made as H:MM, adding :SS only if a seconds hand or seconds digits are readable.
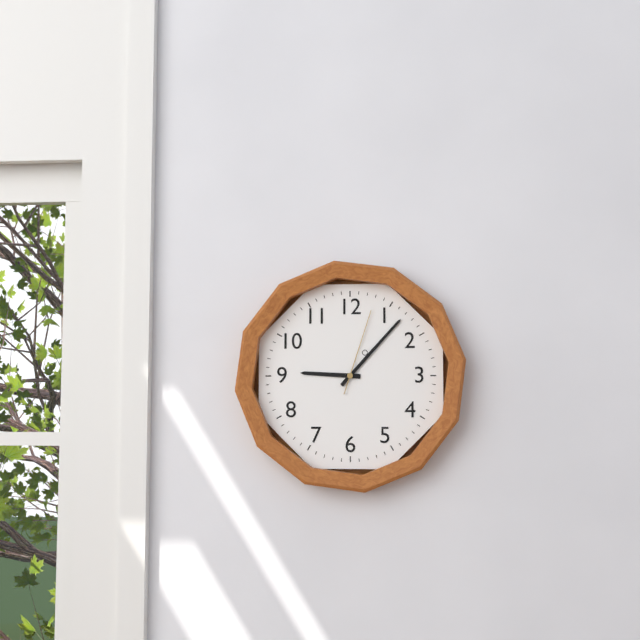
9:07:03
